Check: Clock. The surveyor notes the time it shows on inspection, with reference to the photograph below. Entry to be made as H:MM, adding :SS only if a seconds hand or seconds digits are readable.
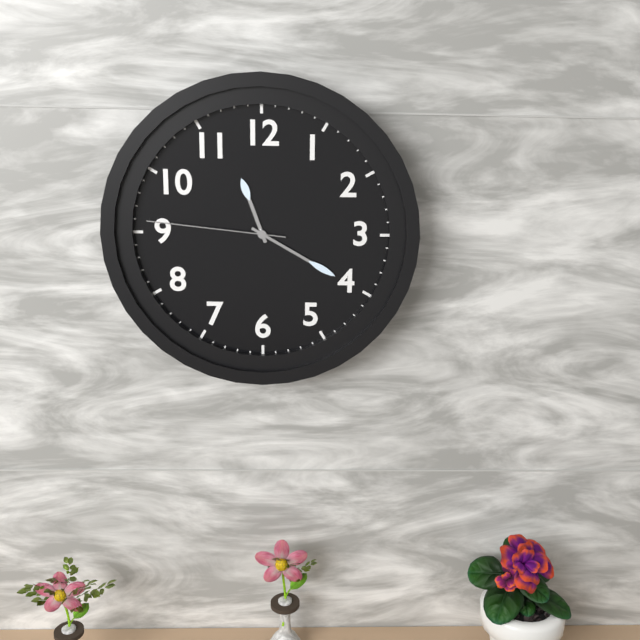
11:20:46
